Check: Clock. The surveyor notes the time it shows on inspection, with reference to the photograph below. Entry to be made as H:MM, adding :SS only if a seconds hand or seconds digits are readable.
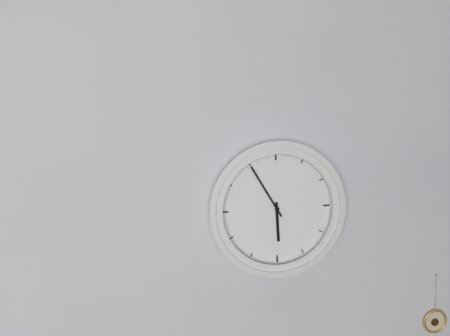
5:55
